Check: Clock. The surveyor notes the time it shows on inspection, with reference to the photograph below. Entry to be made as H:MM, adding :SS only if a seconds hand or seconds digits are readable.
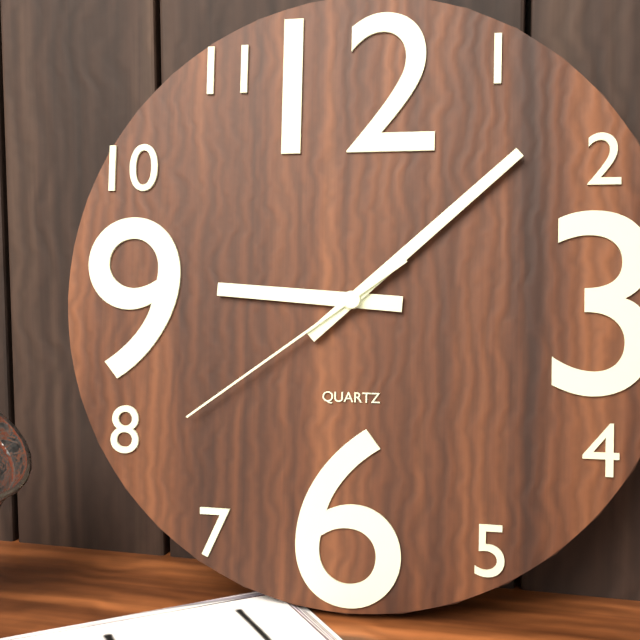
9:08:39
